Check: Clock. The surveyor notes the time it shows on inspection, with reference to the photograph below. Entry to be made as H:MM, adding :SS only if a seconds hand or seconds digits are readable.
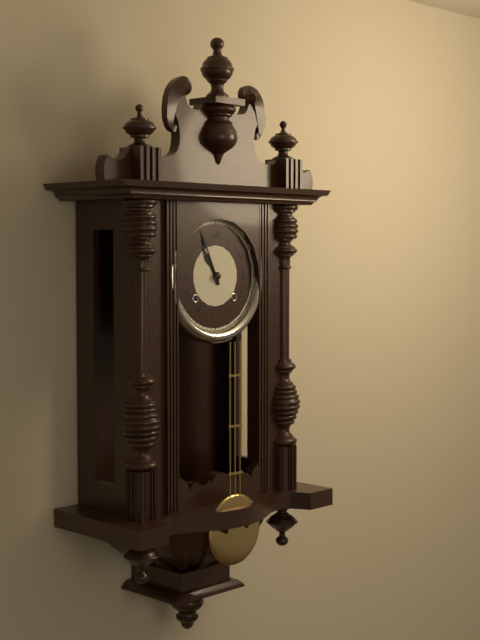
10:56
